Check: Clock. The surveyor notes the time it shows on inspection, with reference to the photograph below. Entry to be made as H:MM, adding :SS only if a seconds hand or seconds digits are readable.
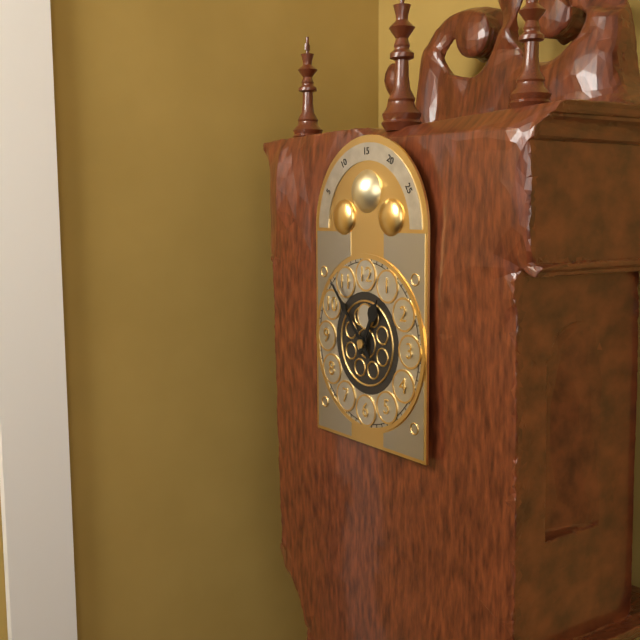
12:53
